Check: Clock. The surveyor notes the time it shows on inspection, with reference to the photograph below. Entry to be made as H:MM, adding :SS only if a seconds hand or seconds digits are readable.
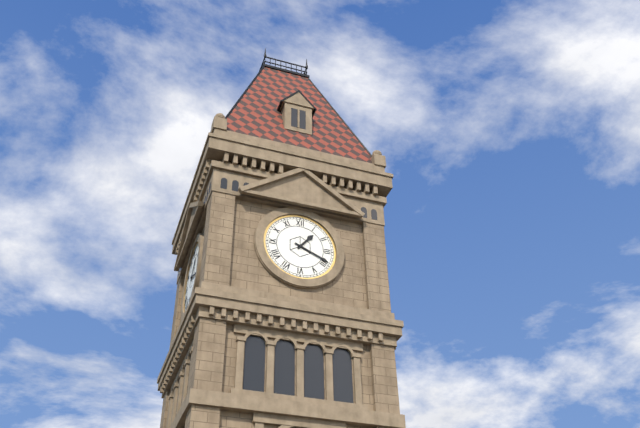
1:19
